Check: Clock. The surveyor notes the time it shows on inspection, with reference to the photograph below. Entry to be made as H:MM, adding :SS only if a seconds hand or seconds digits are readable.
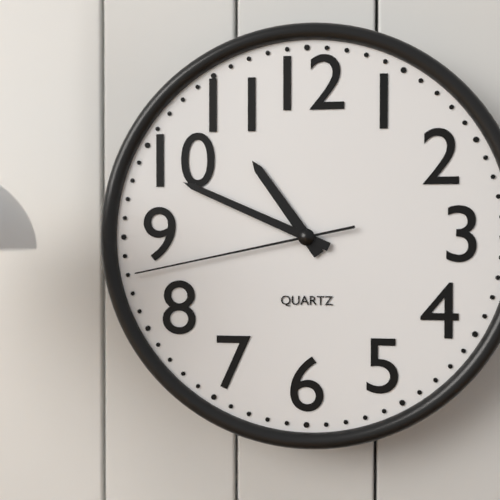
10:49:43
